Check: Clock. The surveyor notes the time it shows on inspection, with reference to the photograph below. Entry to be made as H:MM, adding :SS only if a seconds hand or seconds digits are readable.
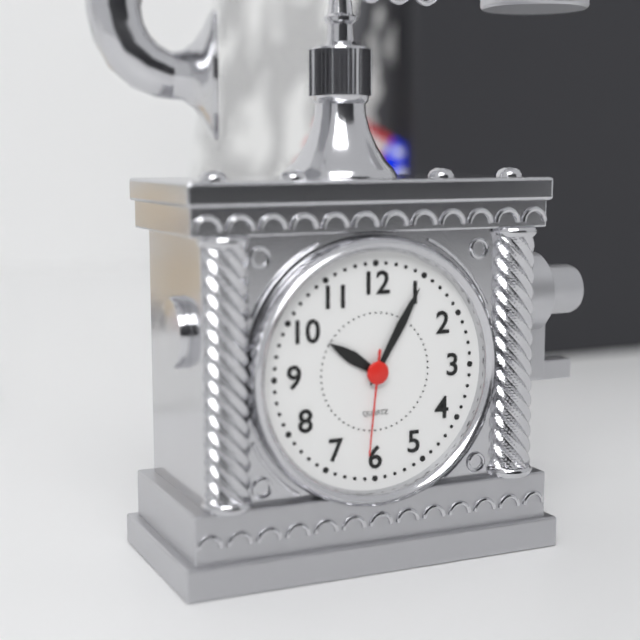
10:05:31
